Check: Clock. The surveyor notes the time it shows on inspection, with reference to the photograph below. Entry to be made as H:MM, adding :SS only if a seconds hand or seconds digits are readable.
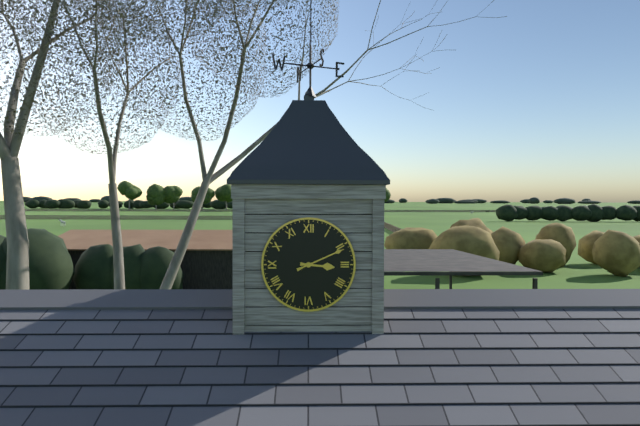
3:11
